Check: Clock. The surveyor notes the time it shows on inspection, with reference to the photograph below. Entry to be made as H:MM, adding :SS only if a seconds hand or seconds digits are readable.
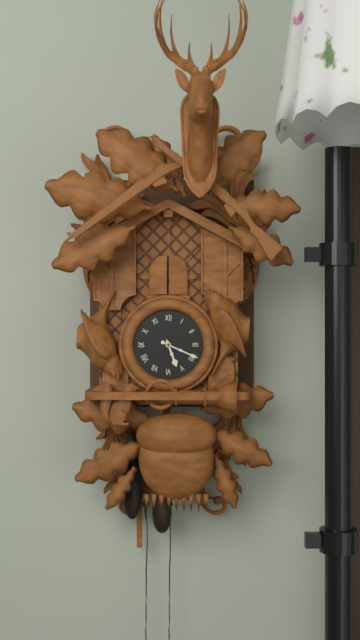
5:19
